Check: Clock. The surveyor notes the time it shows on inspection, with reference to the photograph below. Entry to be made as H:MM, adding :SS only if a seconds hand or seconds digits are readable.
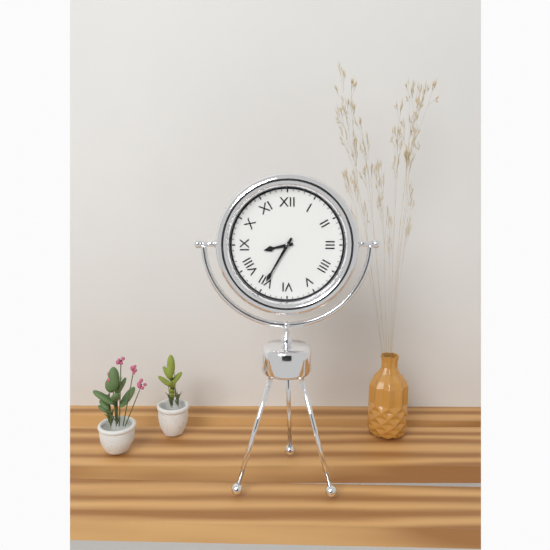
8:35
